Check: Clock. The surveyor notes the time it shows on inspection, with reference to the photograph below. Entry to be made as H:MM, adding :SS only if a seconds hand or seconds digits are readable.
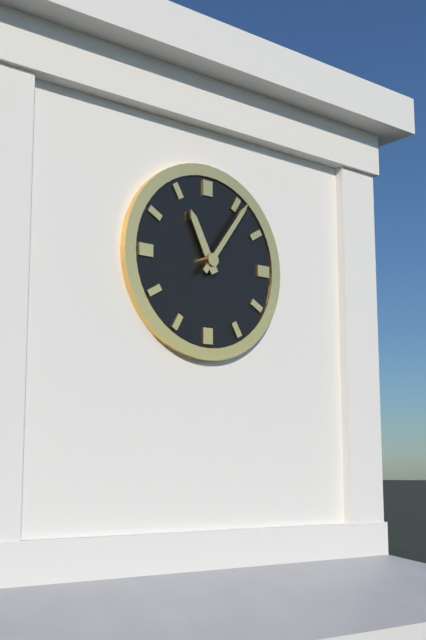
11:06
